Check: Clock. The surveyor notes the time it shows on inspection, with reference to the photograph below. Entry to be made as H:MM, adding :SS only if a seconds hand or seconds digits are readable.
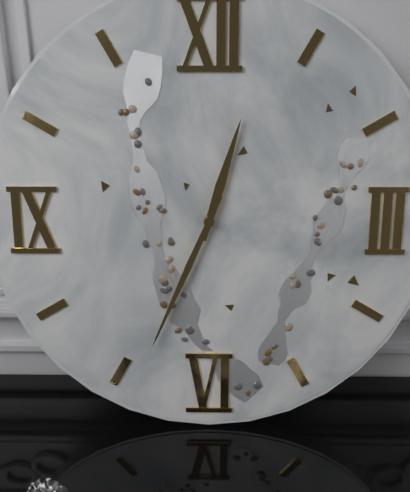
12:34
